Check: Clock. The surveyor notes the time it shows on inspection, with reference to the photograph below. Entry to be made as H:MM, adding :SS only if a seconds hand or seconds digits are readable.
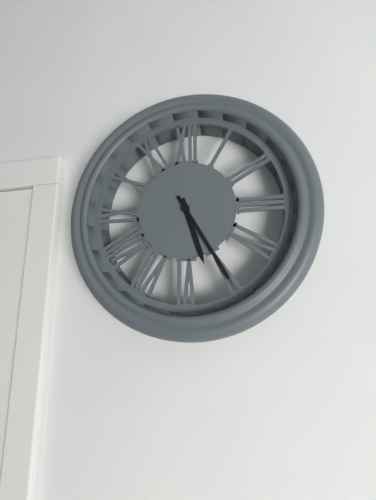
5:25
